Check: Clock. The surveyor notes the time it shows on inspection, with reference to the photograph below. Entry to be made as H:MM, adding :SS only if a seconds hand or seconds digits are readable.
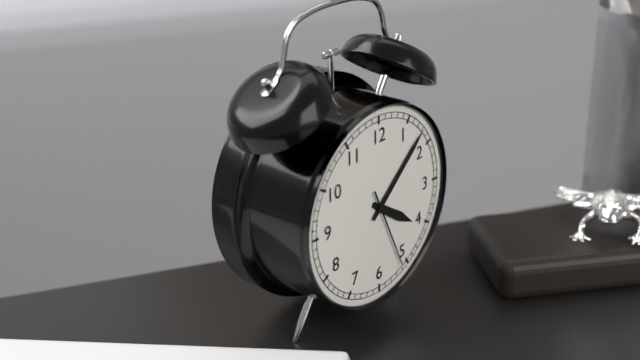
4:08:26
